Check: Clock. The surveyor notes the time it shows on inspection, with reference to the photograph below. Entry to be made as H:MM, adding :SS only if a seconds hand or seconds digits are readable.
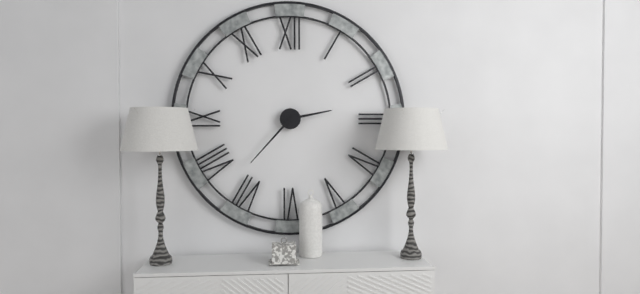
2:37
